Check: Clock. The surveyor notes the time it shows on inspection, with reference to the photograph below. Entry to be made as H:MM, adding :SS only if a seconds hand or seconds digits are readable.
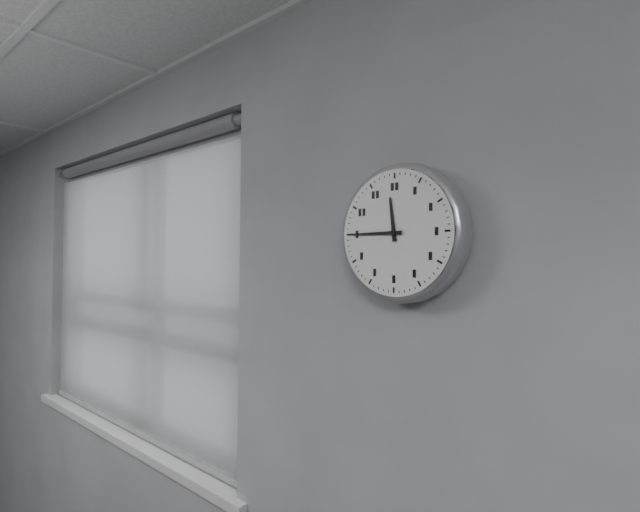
11:45
